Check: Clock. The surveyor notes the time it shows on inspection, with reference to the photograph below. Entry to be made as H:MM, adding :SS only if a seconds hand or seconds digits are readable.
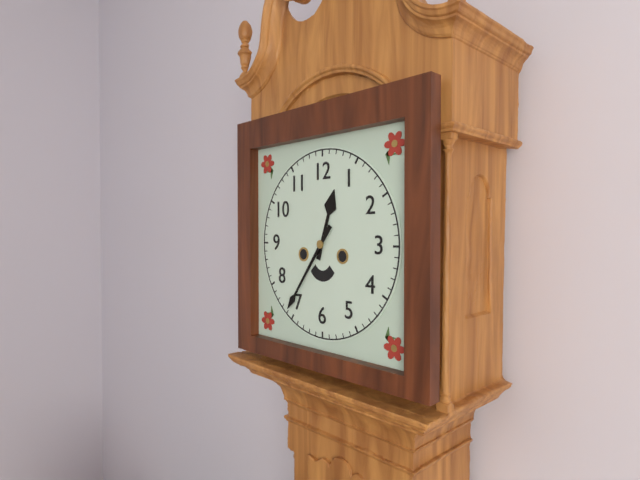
12:36
